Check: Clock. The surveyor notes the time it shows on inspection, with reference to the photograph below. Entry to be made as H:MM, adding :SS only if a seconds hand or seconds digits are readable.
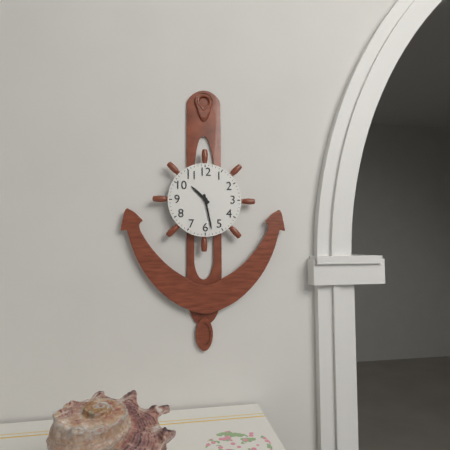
10:28
